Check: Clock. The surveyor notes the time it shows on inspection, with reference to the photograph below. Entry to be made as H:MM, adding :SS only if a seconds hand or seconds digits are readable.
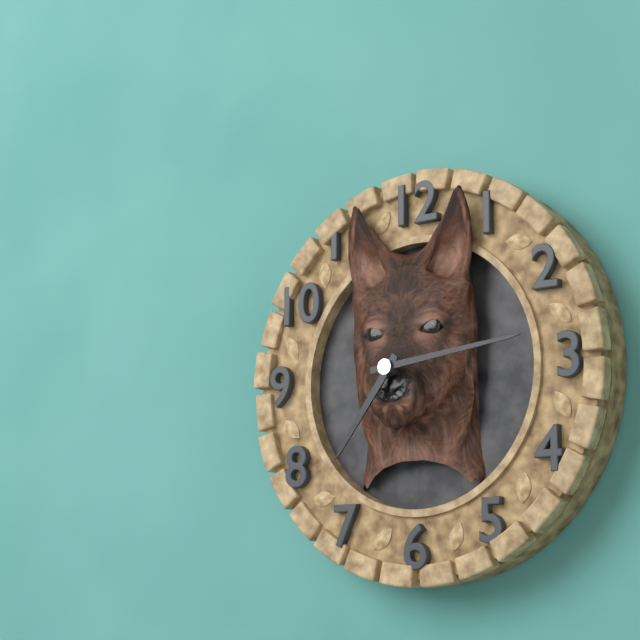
7:14
